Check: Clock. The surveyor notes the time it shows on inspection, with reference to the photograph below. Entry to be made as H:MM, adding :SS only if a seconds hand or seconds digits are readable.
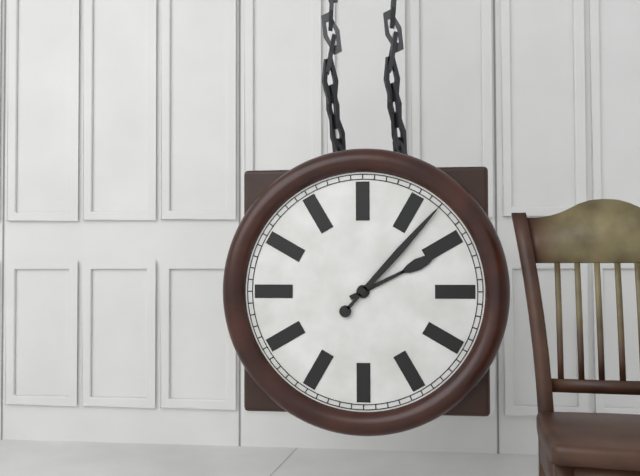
2:07
